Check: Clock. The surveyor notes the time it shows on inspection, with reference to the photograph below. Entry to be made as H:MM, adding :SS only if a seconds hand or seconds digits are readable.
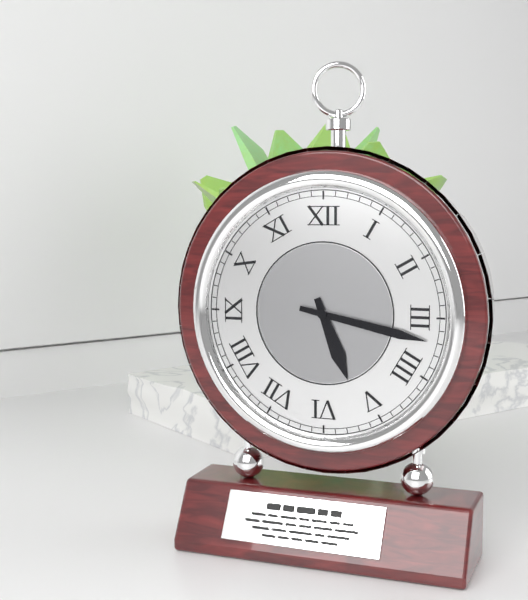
5:17
